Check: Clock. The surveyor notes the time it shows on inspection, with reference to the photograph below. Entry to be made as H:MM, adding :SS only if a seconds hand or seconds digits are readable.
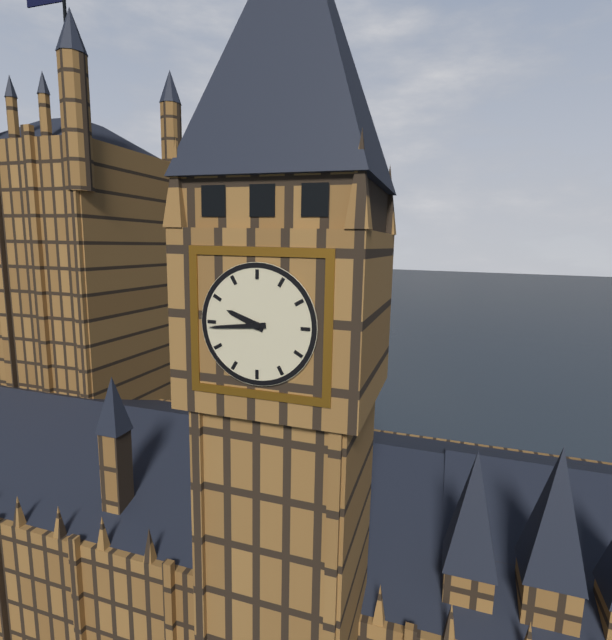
9:44
